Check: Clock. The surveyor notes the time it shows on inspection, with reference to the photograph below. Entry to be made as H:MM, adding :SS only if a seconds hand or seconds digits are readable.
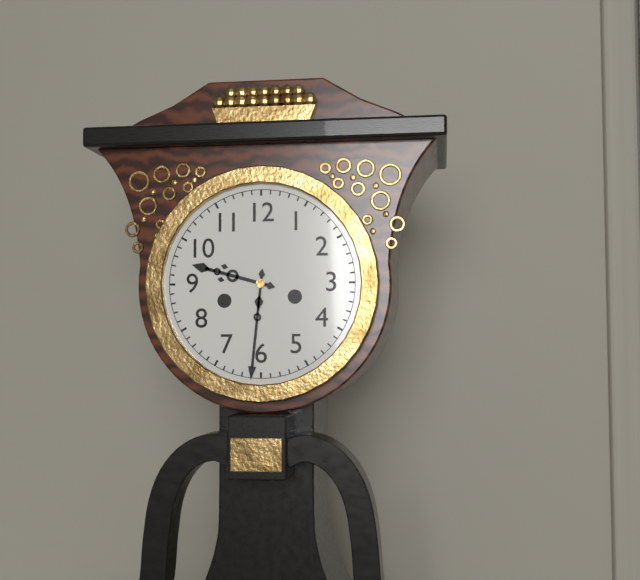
9:31
